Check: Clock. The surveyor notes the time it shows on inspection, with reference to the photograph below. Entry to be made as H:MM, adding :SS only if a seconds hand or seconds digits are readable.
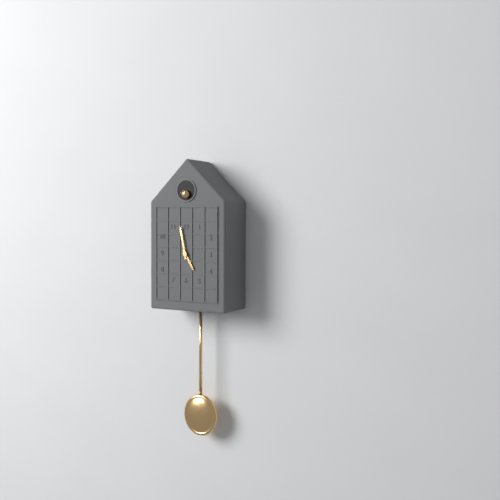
4:58
